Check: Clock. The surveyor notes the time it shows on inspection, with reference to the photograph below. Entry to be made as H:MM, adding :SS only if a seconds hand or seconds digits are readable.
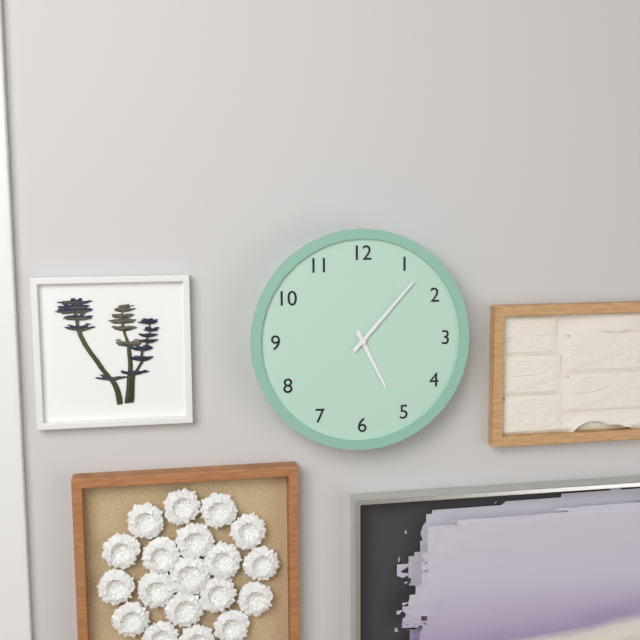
5:07
